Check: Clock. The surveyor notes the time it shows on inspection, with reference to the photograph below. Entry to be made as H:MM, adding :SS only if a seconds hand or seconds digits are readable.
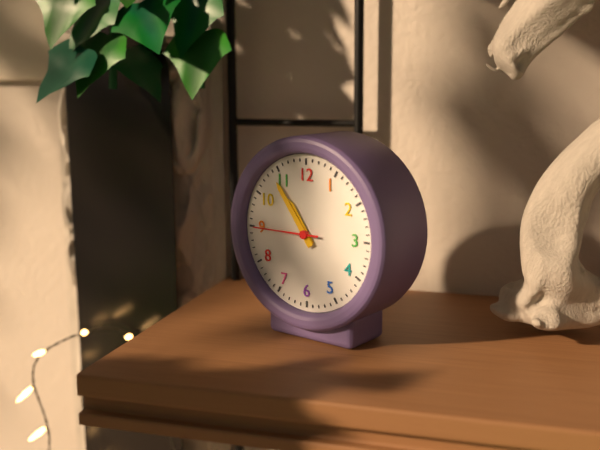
10:54:45
